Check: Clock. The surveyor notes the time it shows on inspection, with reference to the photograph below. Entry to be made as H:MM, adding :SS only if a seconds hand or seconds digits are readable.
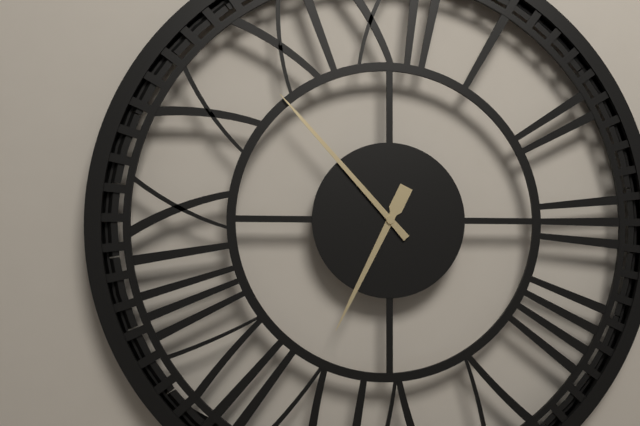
6:53
